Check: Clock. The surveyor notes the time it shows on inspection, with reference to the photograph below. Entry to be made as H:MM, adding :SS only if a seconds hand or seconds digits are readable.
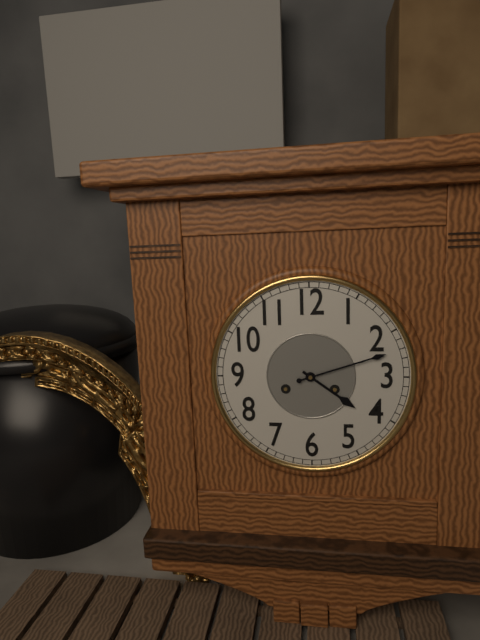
4:12
